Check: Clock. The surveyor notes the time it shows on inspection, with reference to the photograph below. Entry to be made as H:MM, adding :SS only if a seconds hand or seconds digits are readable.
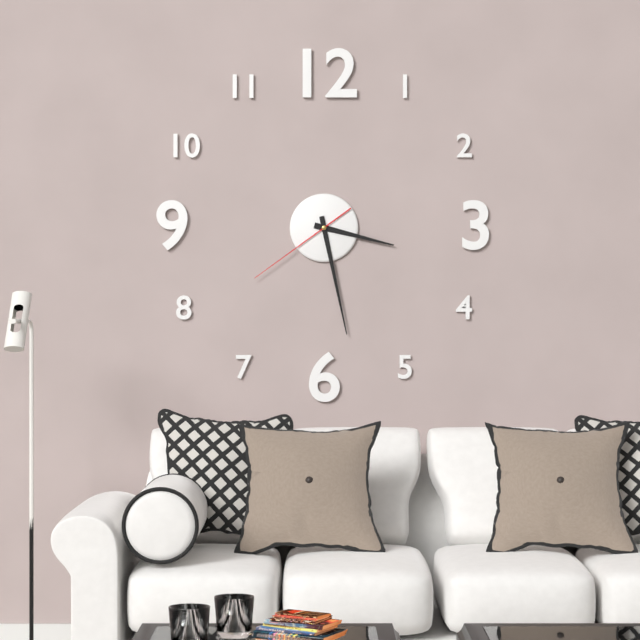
3:28:39
